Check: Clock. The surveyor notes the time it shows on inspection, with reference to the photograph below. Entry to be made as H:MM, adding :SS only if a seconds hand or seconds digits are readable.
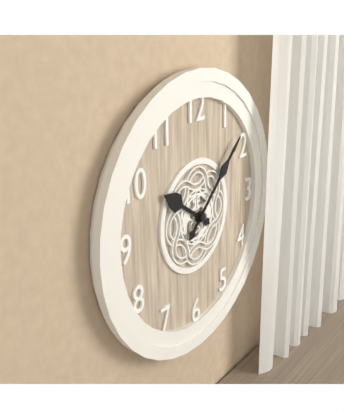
10:08
